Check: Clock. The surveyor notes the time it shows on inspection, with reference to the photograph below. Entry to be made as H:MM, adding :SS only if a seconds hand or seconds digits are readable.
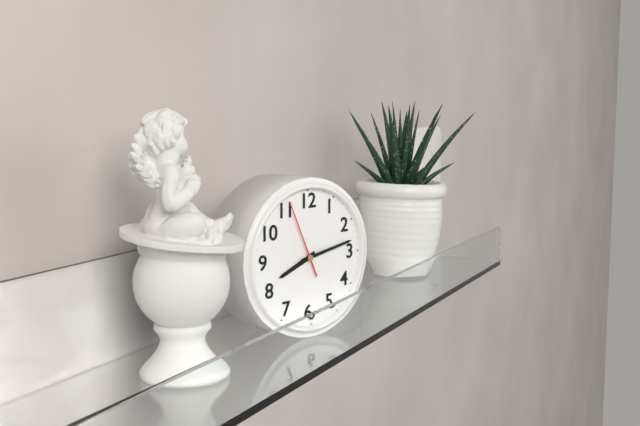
8:13:56
